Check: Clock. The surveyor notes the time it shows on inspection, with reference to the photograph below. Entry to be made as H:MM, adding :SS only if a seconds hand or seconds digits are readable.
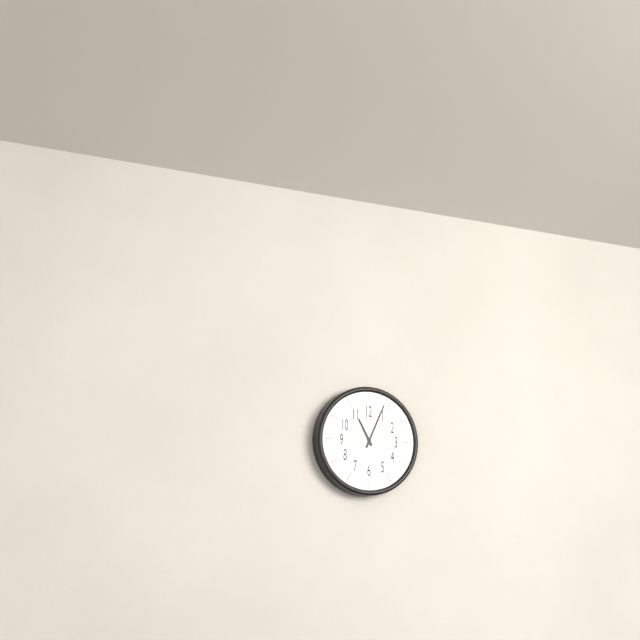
11:04
